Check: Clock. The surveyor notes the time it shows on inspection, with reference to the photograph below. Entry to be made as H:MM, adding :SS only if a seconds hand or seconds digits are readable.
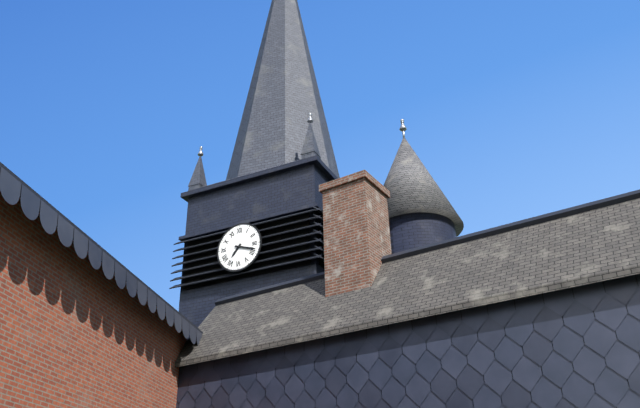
7:18
